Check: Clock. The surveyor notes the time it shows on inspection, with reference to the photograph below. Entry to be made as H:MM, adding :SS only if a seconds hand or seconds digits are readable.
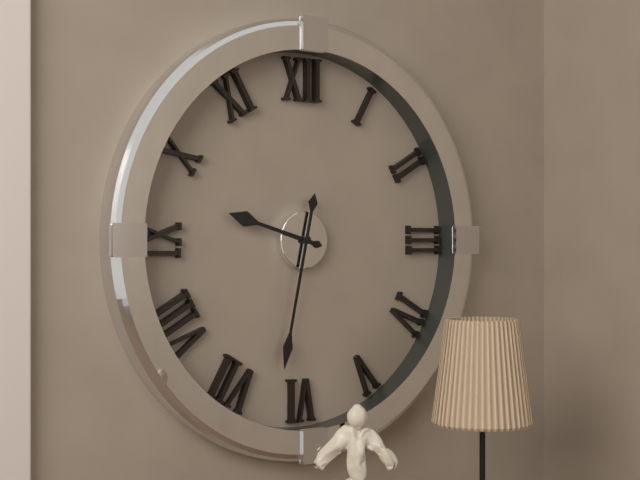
9:32
